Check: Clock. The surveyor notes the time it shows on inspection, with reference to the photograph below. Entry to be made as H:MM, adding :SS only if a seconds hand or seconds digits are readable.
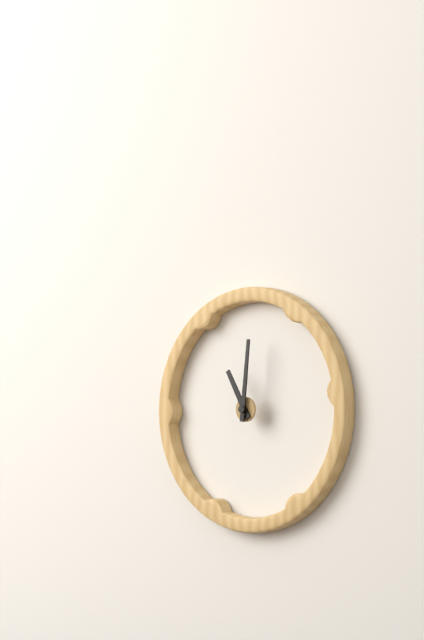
11:01
